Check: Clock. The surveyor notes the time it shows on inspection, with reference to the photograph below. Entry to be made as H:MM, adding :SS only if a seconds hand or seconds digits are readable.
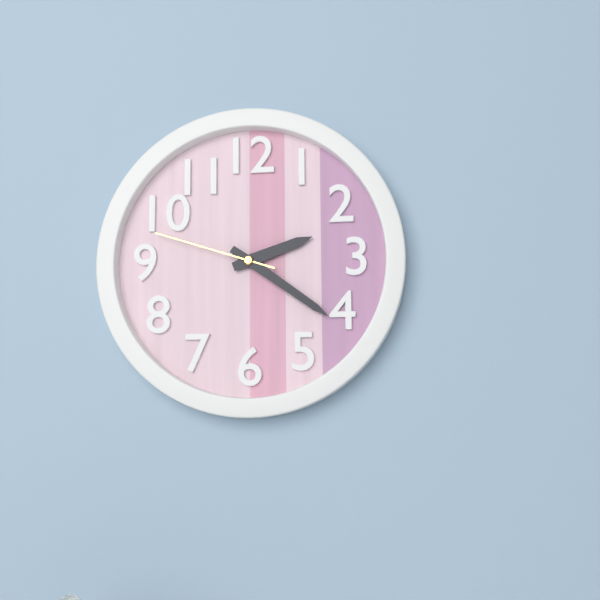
2:21:48
